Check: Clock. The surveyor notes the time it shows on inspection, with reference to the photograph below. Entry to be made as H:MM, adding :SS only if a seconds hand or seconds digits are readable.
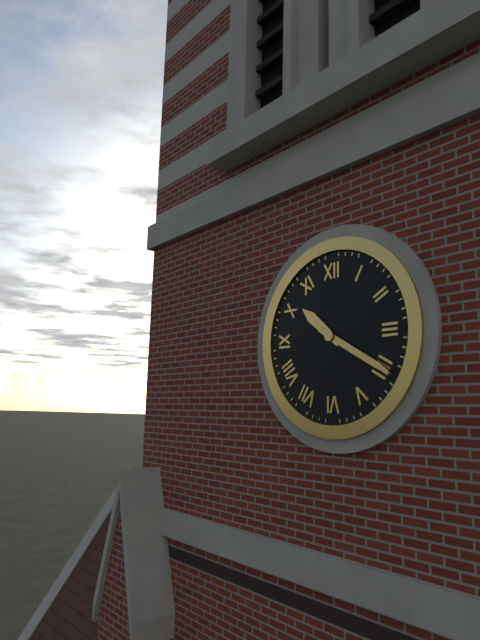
10:20
